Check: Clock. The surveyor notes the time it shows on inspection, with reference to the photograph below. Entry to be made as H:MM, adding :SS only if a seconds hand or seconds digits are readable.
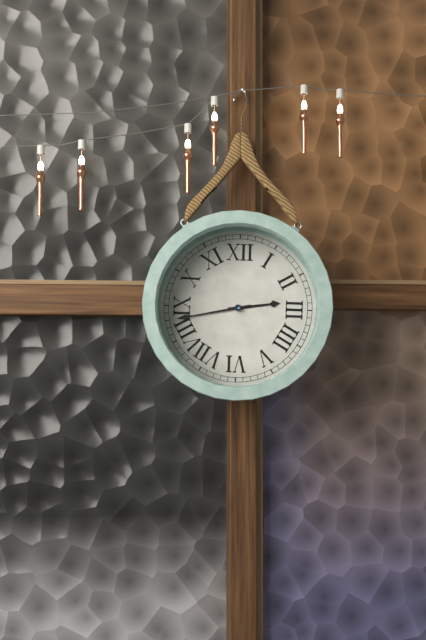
2:43
